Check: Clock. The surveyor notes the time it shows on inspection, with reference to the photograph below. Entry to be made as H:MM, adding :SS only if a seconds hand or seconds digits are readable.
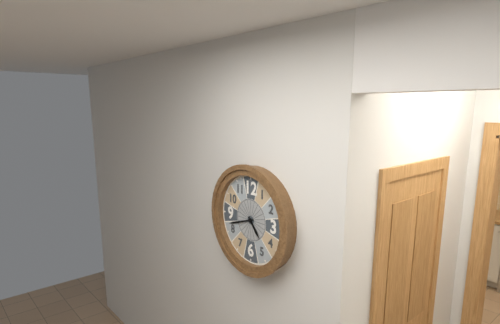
4:42
